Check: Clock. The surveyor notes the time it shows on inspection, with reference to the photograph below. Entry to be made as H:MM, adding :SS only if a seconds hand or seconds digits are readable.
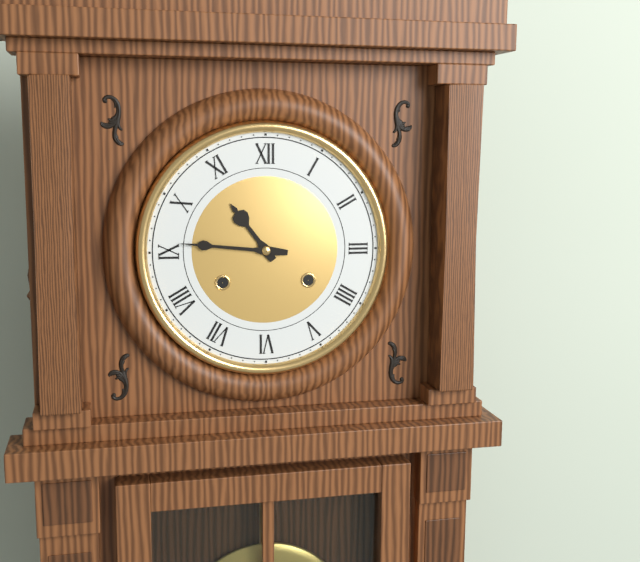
10:46
